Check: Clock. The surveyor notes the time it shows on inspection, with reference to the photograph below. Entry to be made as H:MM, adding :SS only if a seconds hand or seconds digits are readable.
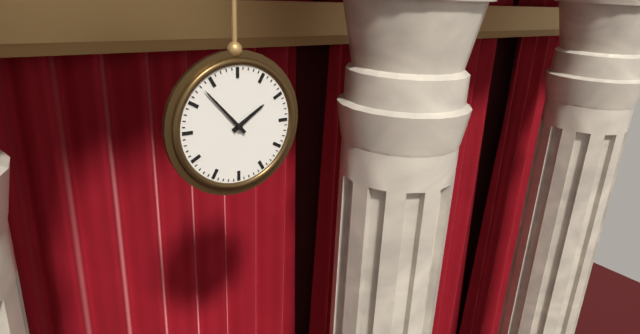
1:53
